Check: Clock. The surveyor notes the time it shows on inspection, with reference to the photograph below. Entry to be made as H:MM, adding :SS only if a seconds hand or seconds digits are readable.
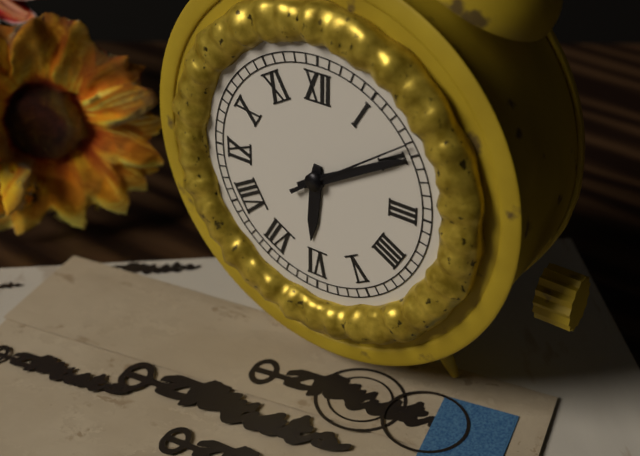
6:10:09
